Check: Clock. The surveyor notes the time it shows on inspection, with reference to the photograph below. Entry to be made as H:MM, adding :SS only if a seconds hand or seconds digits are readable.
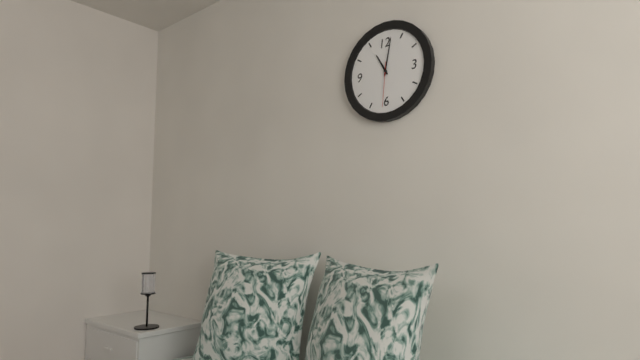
11:02
